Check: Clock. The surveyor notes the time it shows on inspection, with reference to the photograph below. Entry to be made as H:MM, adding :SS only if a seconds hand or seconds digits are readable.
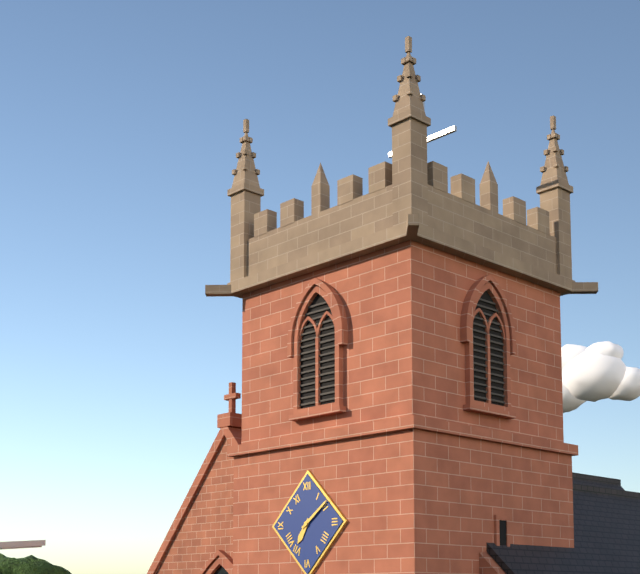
7:09
